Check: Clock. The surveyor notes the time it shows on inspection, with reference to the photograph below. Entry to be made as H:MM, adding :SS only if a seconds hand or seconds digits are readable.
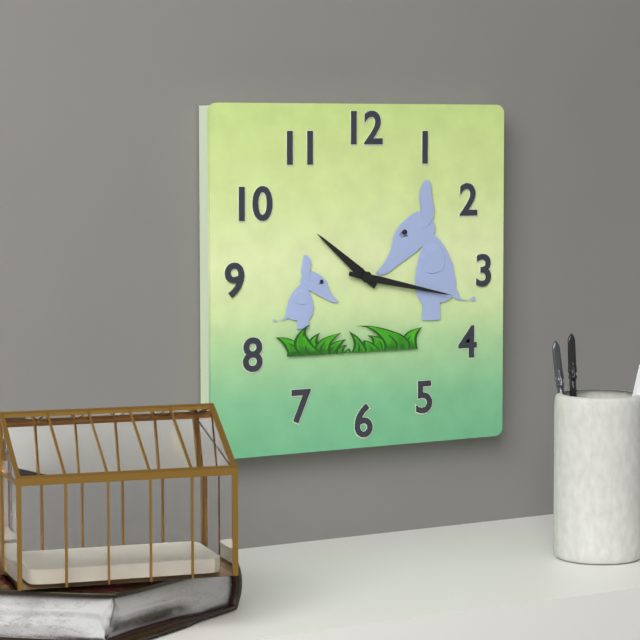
10:17
